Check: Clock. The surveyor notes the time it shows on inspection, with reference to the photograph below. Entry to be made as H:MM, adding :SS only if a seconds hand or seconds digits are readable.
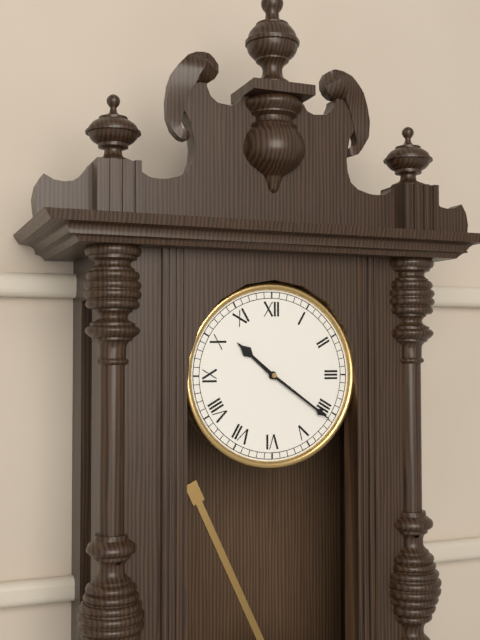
10:21
